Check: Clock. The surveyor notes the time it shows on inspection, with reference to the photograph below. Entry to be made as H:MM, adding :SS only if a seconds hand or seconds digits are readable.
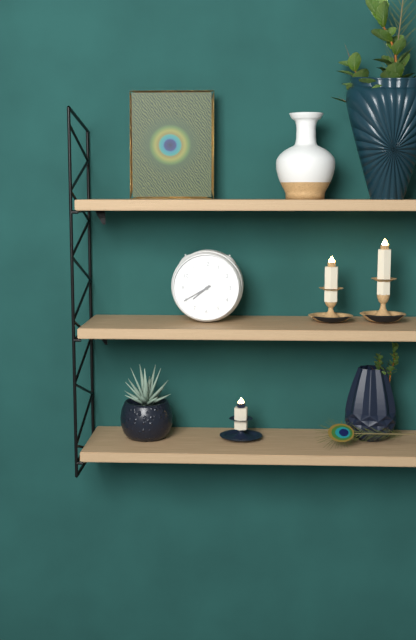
7:40
